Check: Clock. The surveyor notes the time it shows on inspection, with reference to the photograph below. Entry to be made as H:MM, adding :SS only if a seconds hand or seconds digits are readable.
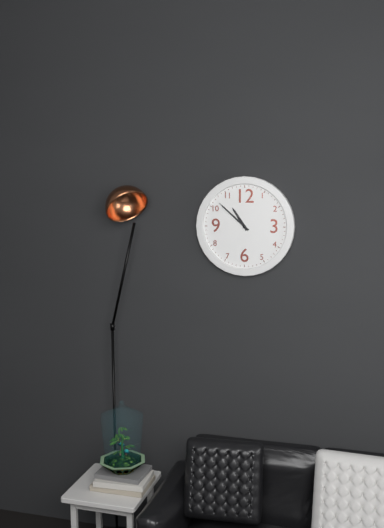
10:52
